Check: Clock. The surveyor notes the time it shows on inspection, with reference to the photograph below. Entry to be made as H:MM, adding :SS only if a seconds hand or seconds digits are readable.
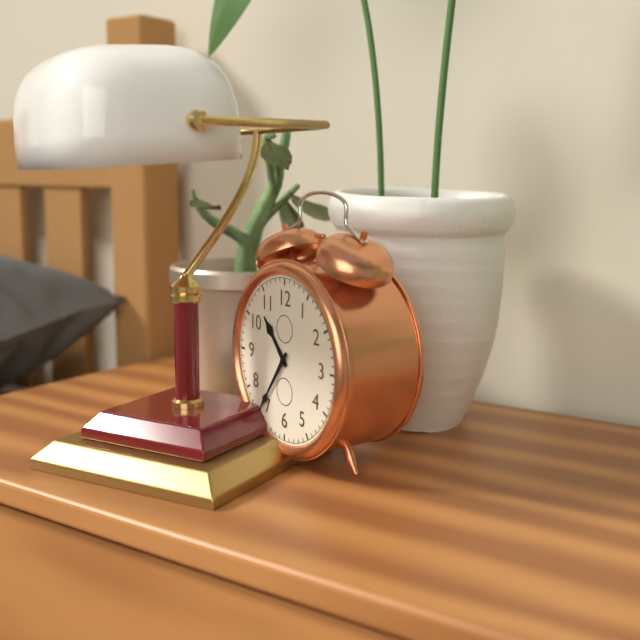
10:36
